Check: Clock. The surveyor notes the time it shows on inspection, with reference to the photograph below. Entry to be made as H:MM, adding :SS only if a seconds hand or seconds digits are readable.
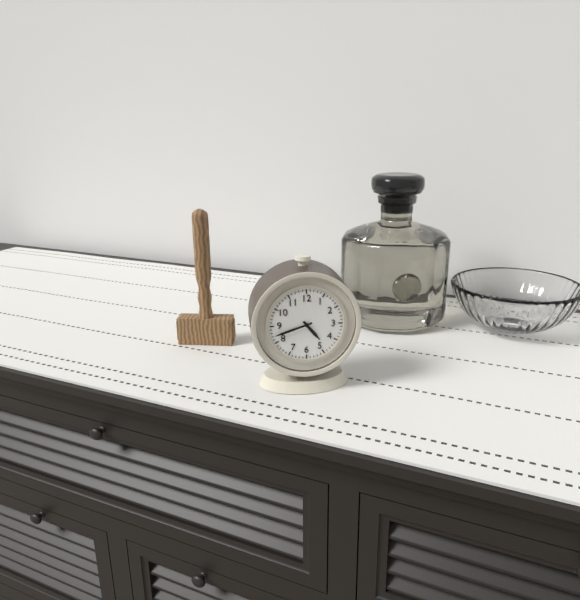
4:42
